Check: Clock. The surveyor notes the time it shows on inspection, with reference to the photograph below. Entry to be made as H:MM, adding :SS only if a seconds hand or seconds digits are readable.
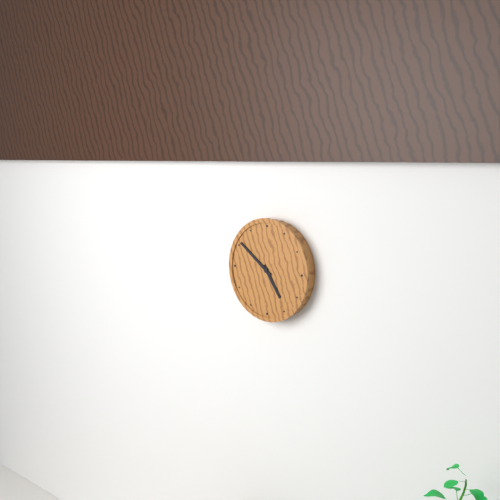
4:51
